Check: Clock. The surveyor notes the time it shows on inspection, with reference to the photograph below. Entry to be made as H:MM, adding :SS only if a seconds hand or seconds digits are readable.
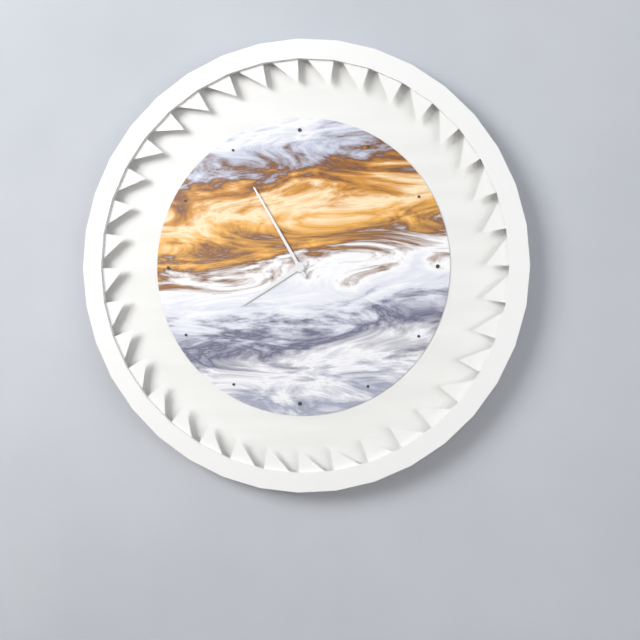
7:55
